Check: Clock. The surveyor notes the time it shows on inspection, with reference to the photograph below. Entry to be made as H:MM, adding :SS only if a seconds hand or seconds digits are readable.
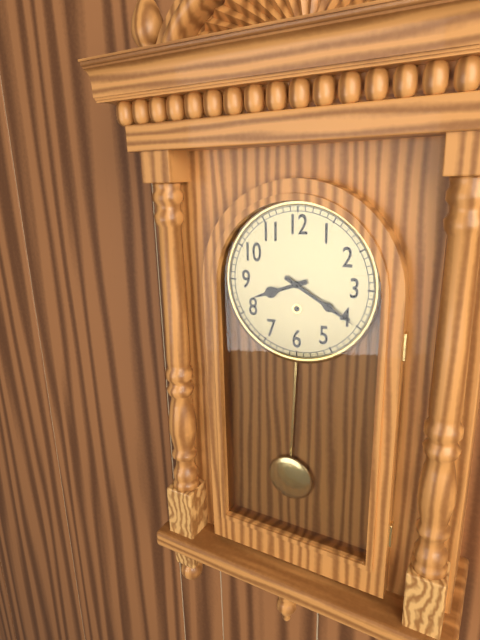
8:20
